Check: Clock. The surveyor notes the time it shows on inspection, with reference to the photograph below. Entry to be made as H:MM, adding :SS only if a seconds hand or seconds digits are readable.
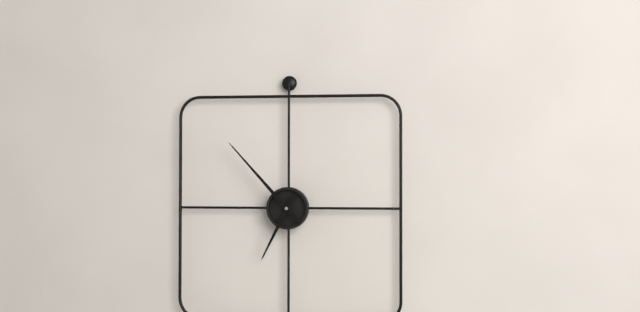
6:53
